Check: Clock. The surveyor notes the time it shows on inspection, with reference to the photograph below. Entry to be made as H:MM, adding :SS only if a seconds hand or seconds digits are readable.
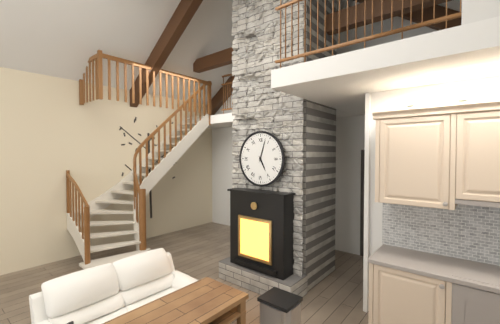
5:03
